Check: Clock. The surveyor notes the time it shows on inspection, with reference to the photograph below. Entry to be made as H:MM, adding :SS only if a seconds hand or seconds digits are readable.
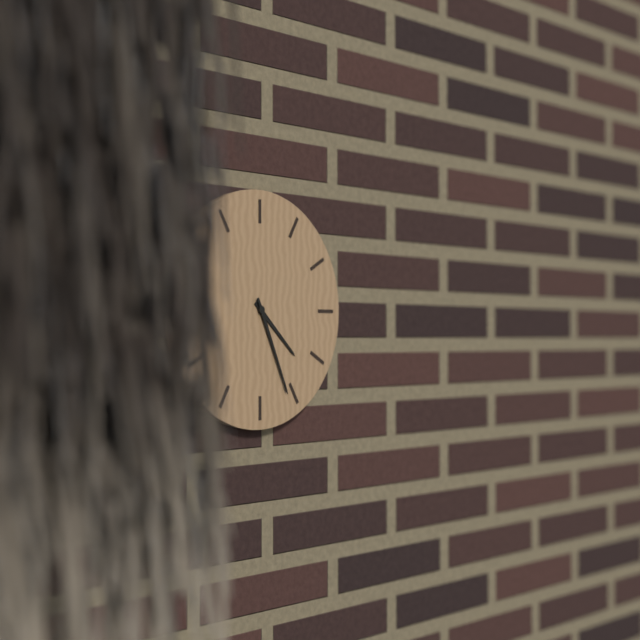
4:26
